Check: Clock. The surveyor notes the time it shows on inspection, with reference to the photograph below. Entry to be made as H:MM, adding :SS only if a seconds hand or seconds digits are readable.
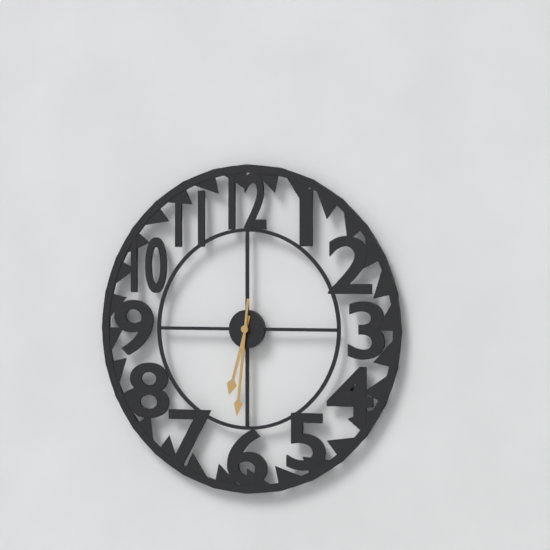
6:31
